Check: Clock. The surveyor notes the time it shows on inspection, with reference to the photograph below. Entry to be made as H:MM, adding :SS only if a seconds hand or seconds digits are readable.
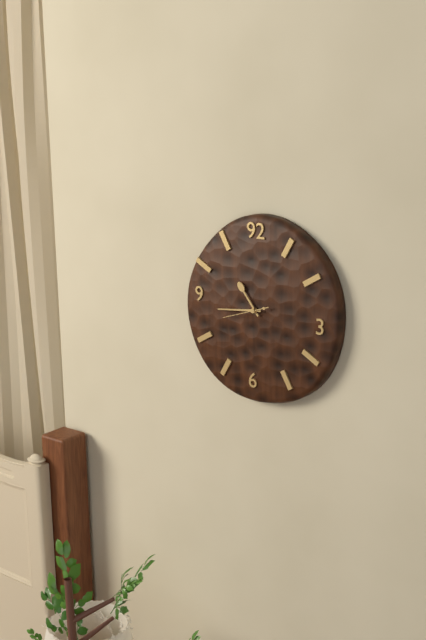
10:44:42
